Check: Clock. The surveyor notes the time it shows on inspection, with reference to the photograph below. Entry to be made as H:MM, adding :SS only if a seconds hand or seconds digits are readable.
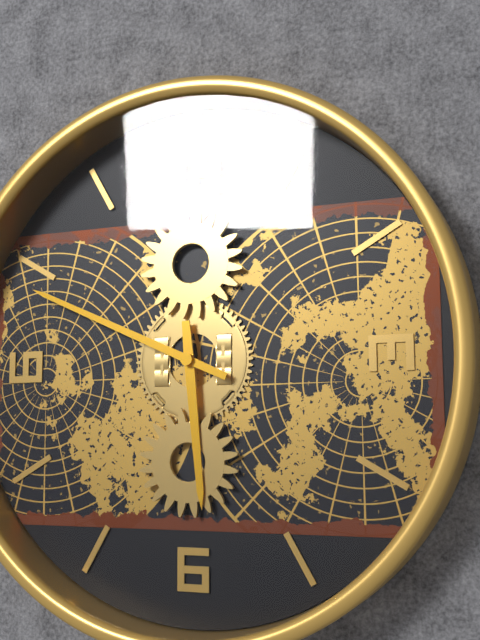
5:49
